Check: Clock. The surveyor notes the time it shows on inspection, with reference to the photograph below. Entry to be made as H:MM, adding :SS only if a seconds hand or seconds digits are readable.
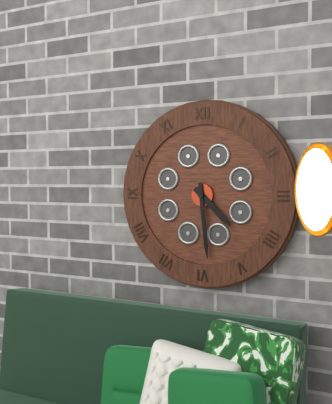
4:29
